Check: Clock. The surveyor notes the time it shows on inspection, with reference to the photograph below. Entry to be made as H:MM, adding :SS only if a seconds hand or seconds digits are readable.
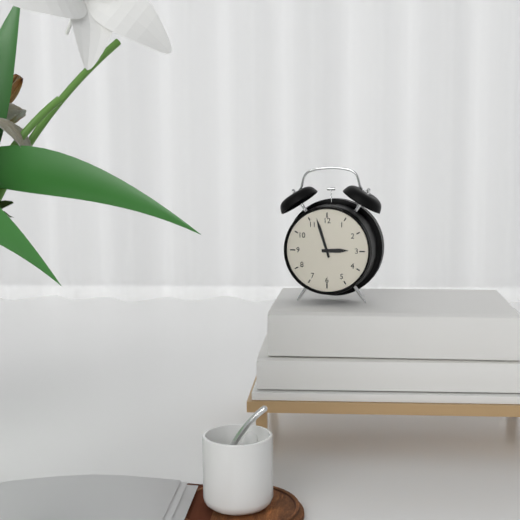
2:57
